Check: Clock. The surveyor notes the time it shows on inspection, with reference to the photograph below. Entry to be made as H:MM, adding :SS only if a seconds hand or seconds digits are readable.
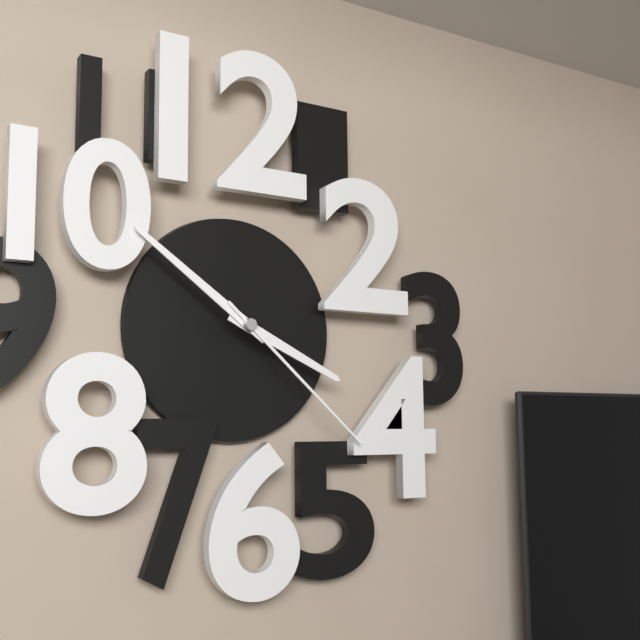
3:51:22
